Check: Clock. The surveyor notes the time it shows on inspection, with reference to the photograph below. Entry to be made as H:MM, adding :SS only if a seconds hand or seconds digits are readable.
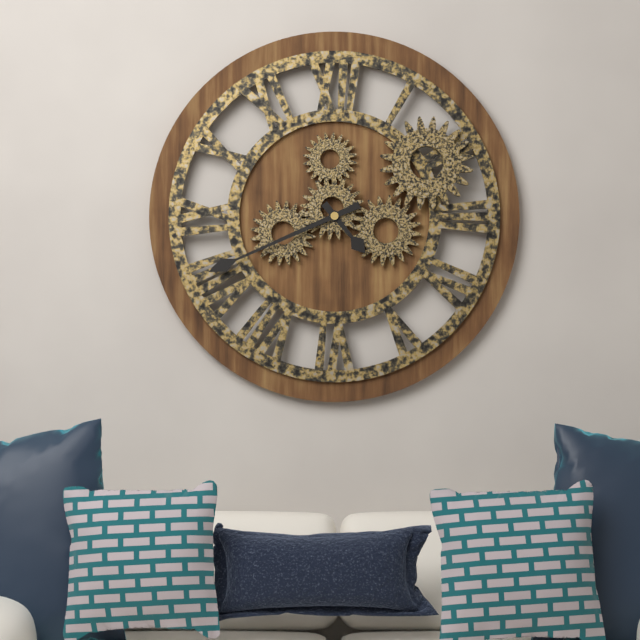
4:41
